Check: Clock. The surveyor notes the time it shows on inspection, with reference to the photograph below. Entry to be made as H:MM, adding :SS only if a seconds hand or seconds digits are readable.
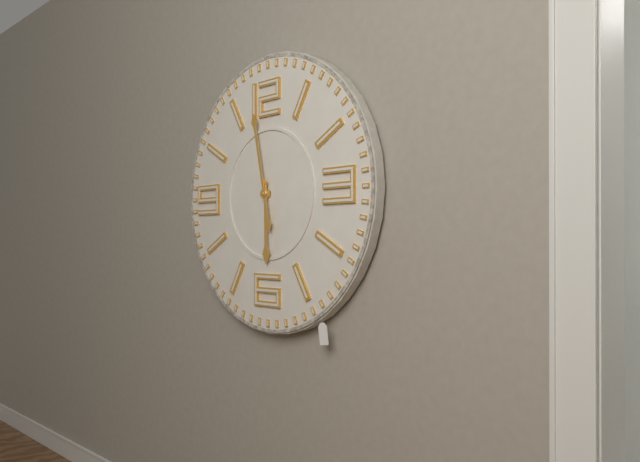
5:58
